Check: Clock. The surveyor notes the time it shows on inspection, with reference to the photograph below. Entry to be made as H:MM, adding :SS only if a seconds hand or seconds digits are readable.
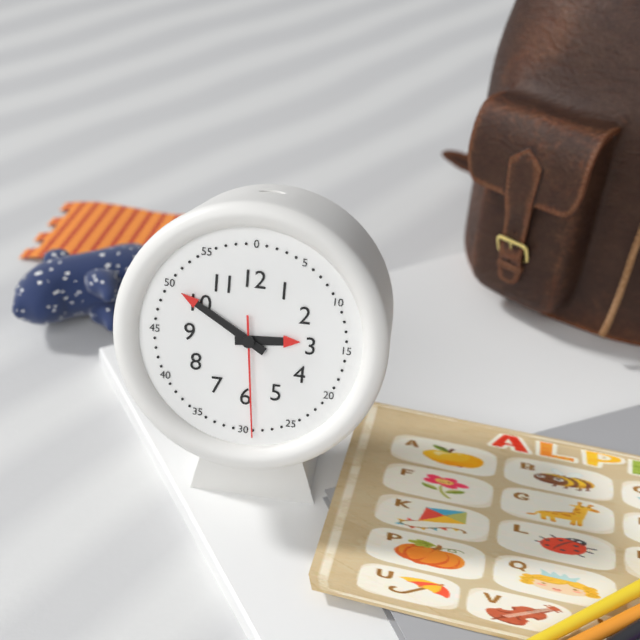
2:50:29
